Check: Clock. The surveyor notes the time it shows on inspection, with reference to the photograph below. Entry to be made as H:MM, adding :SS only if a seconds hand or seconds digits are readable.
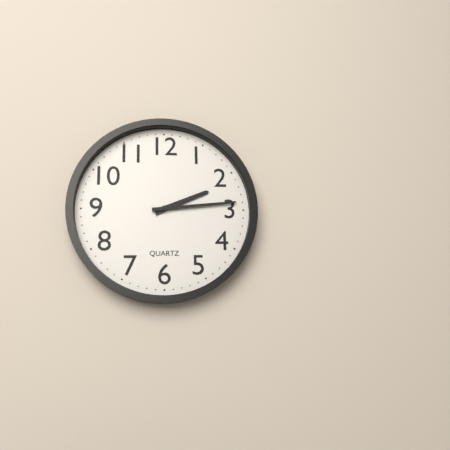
2:14
